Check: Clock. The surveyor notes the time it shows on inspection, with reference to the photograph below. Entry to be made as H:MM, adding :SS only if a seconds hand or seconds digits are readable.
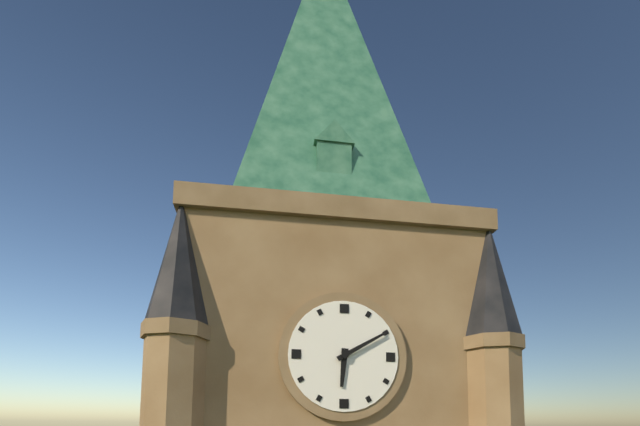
6:10
